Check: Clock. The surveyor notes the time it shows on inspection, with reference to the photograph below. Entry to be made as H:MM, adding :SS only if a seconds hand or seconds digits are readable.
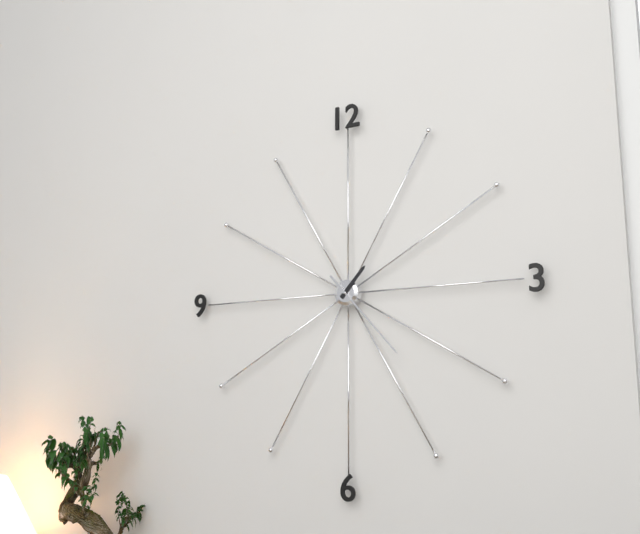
1:23
